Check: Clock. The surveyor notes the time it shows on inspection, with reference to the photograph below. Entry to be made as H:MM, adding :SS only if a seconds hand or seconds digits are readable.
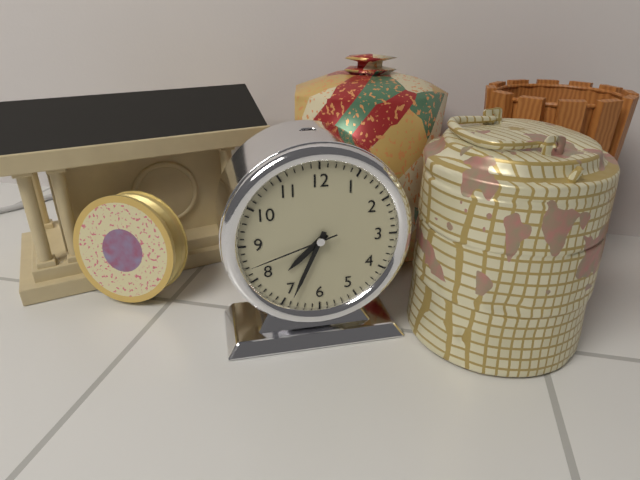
7:34:42
